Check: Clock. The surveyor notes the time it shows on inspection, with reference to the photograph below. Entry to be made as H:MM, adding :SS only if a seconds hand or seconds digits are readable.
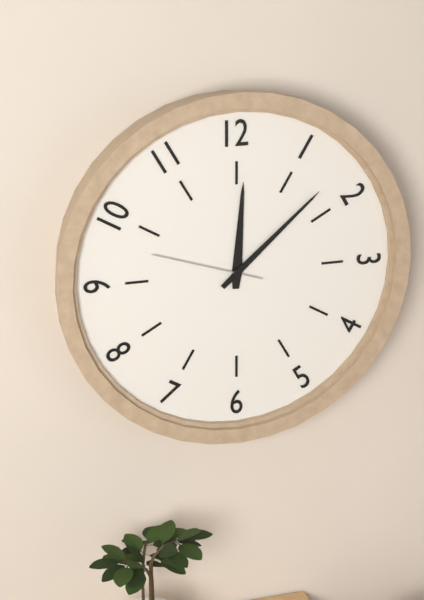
12:08:48
